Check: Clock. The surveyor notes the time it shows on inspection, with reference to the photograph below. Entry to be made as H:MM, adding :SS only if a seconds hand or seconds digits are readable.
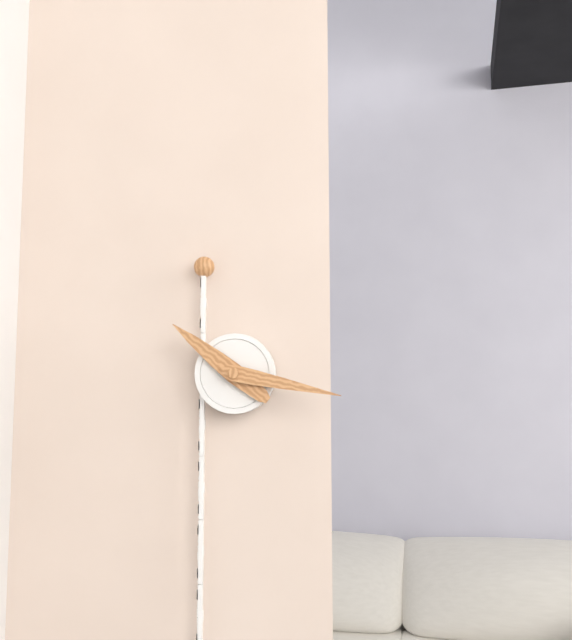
10:17
